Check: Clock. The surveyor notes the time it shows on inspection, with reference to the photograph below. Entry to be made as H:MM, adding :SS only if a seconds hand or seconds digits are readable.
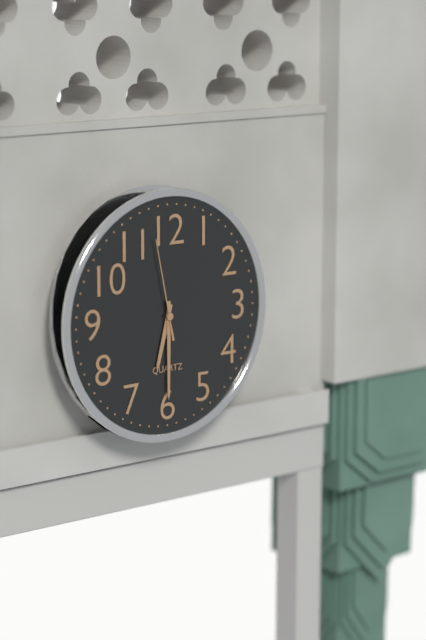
6:30:58
